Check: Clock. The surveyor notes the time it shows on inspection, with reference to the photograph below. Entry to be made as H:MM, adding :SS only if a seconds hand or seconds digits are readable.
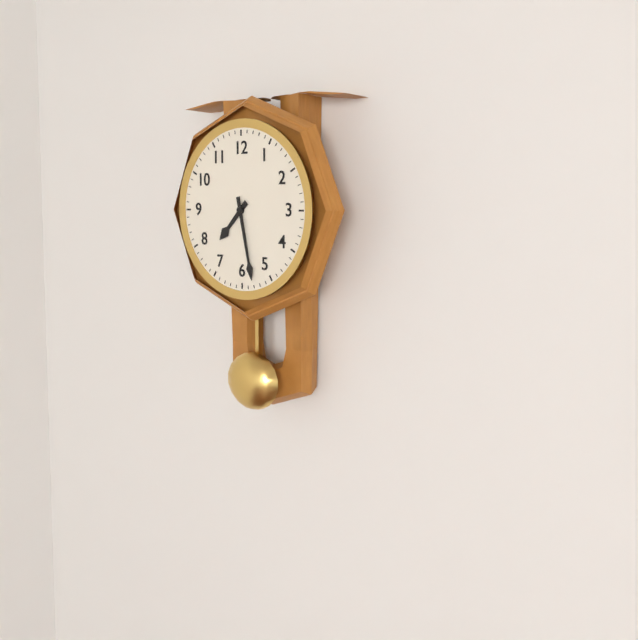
7:28
